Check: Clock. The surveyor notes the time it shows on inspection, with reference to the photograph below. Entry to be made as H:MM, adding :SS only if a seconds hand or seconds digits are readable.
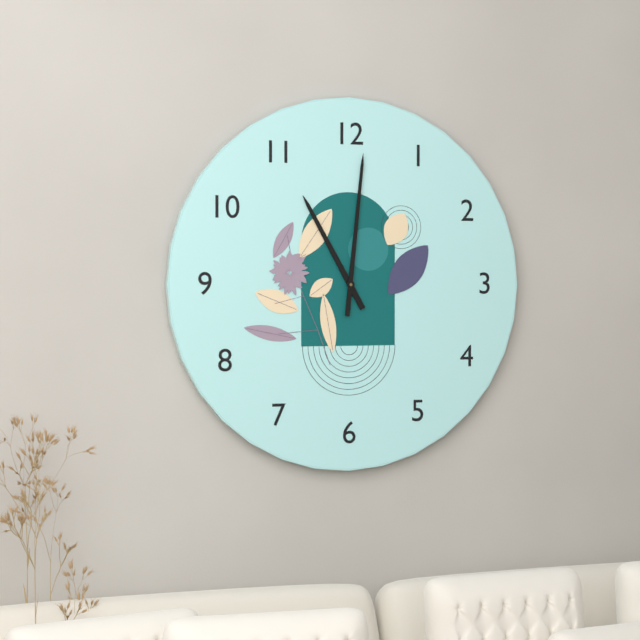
11:01
